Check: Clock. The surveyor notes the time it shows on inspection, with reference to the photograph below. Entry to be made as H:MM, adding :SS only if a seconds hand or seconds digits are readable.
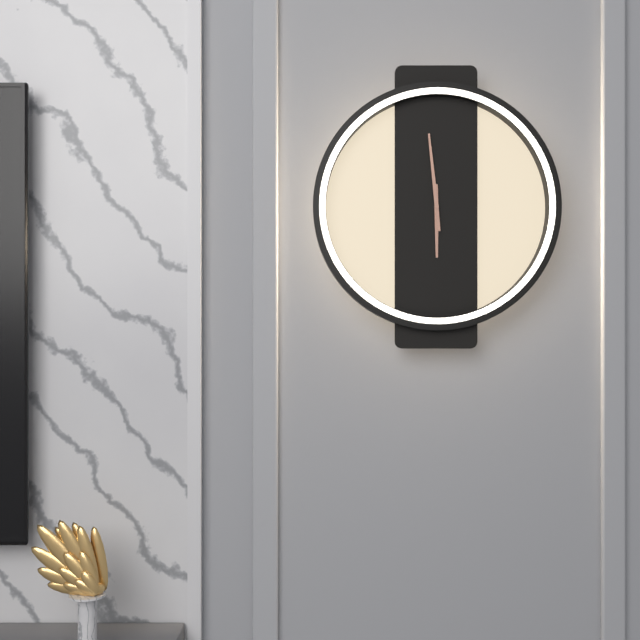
5:59
